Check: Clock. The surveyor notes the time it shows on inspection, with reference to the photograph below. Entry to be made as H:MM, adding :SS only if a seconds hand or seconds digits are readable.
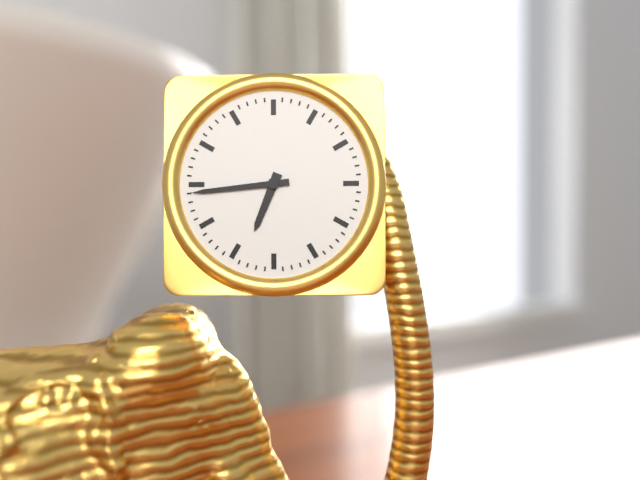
6:44
